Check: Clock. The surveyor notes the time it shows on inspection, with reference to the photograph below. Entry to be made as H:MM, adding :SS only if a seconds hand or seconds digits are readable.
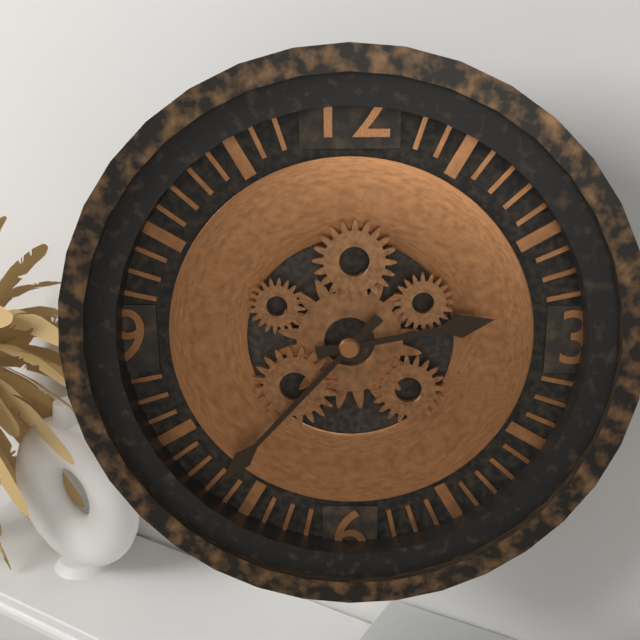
2:37
